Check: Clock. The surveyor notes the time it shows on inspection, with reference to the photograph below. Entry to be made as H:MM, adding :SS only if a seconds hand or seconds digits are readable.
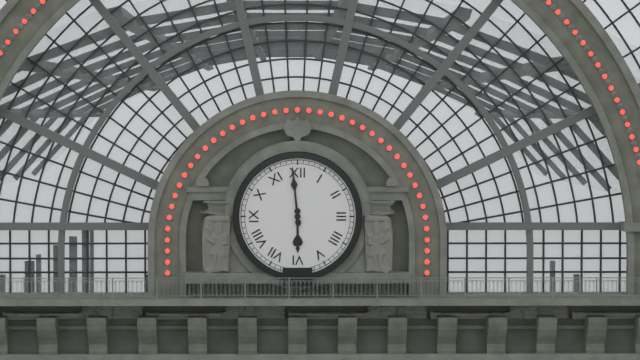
5:59
